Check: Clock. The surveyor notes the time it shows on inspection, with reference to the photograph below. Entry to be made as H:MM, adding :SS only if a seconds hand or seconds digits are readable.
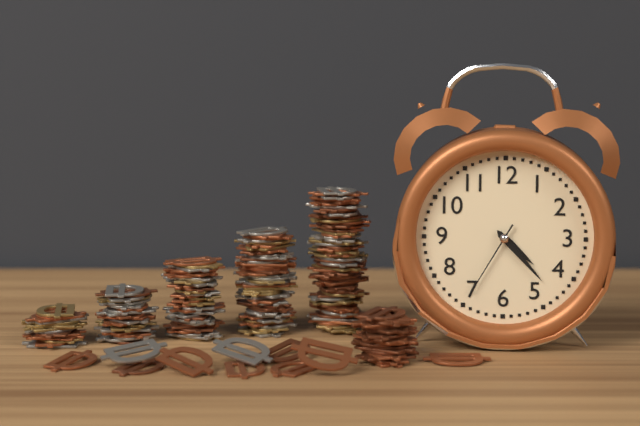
4:23:35
